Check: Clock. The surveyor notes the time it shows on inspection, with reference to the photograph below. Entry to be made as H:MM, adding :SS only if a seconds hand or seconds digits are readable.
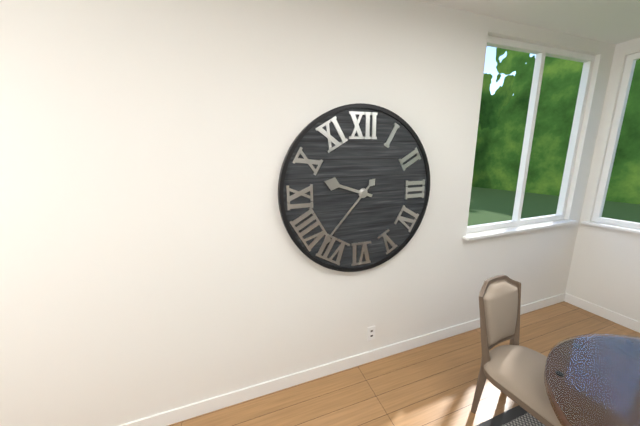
9:37
